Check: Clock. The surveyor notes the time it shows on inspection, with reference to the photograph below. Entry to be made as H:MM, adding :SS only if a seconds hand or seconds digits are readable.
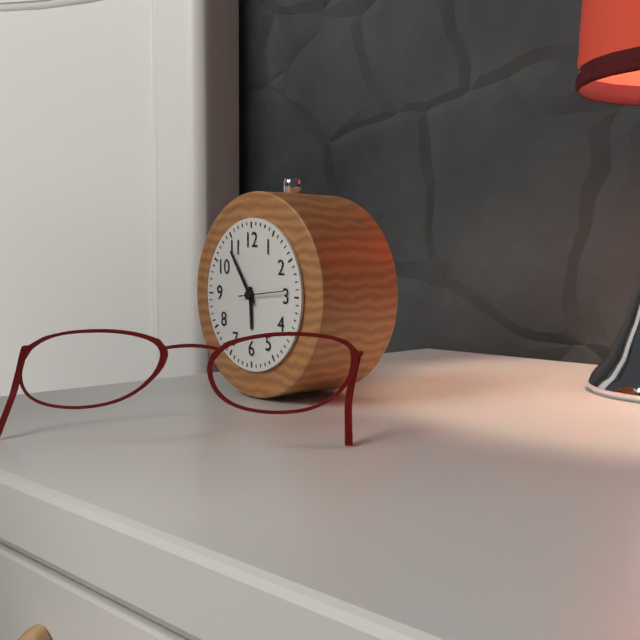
5:54
